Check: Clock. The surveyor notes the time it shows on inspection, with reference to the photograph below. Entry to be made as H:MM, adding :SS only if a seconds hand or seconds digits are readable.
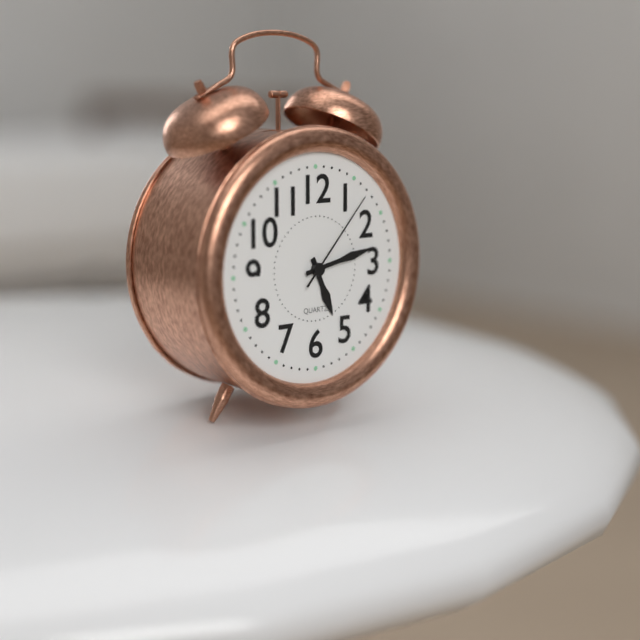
5:13:07
